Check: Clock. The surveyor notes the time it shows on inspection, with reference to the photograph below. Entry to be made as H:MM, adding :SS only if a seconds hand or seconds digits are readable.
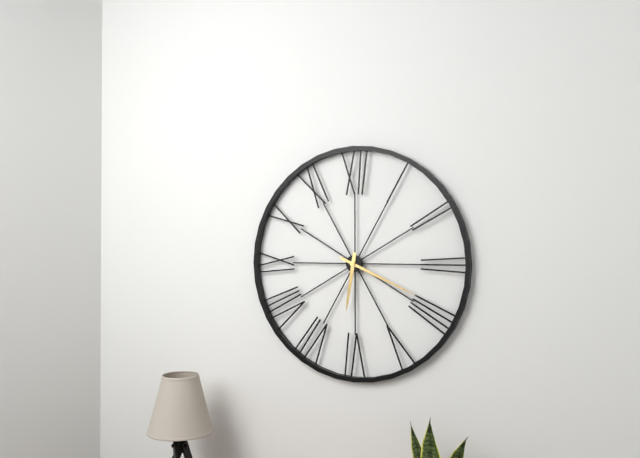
6:19
